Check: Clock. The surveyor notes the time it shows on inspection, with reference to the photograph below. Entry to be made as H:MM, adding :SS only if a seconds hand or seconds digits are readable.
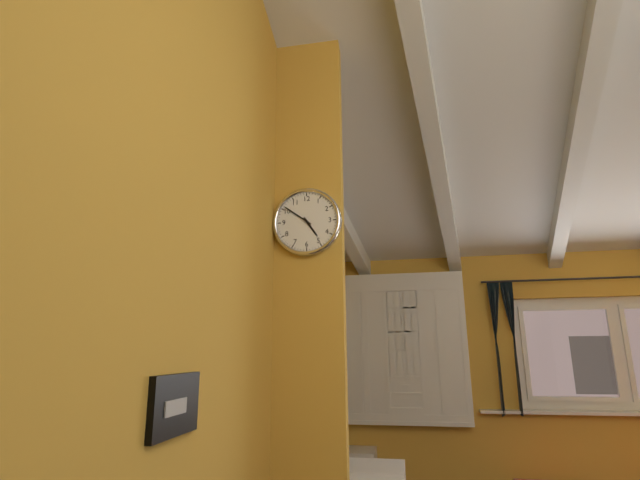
4:51
